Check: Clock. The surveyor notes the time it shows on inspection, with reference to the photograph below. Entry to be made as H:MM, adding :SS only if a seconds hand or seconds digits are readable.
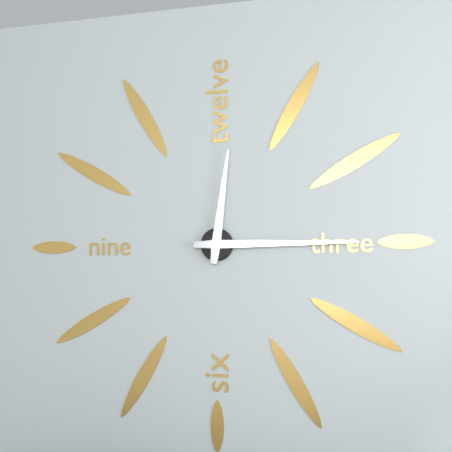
12:15
